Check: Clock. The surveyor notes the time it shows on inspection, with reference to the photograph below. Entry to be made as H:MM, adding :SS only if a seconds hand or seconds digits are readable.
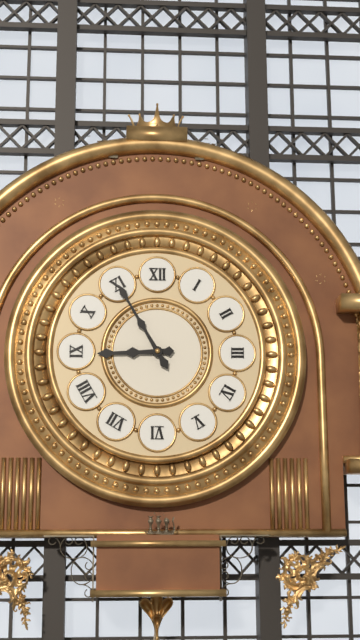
8:55
